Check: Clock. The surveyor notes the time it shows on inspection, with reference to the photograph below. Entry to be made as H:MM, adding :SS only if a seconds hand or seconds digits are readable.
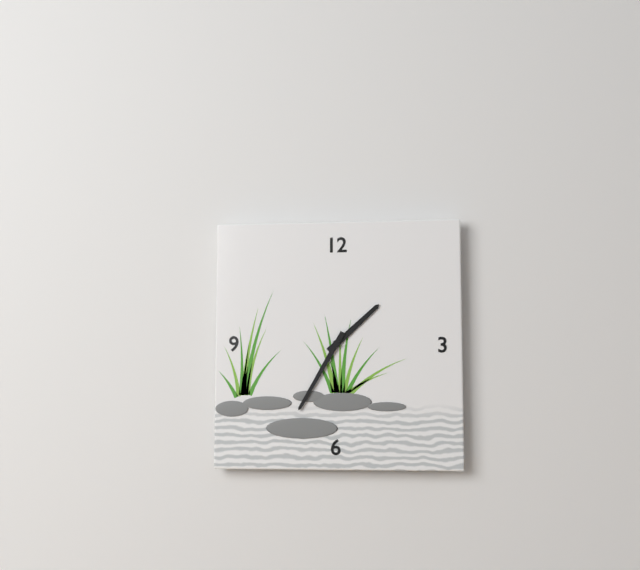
1:35
